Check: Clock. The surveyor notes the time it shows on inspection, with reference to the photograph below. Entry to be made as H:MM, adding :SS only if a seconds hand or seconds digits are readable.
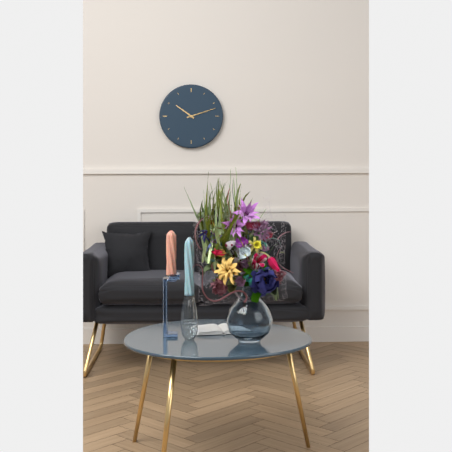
10:12
